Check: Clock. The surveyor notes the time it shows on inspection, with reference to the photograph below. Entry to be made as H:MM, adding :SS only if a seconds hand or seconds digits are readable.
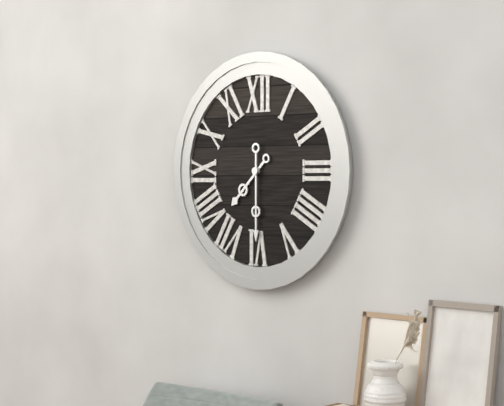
7:30
